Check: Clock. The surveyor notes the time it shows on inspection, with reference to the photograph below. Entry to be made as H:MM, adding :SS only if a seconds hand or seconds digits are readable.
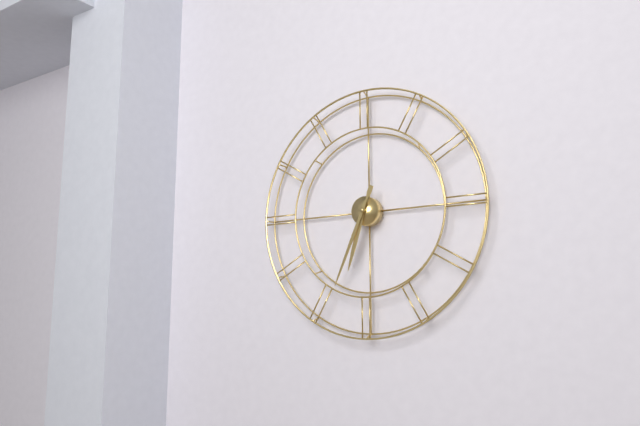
6:34
